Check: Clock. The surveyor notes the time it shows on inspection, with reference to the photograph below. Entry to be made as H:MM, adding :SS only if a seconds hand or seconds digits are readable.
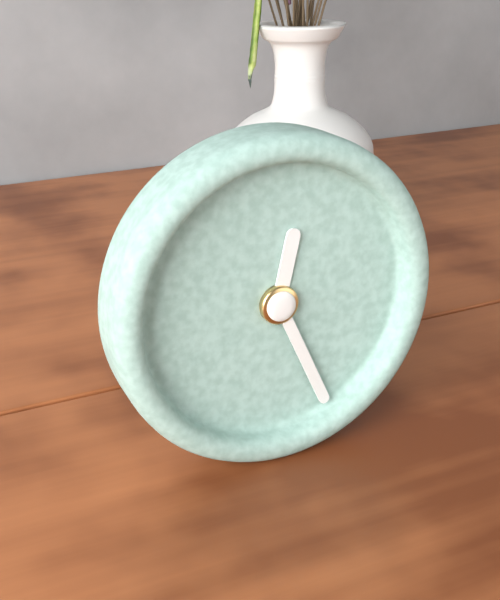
12:26
